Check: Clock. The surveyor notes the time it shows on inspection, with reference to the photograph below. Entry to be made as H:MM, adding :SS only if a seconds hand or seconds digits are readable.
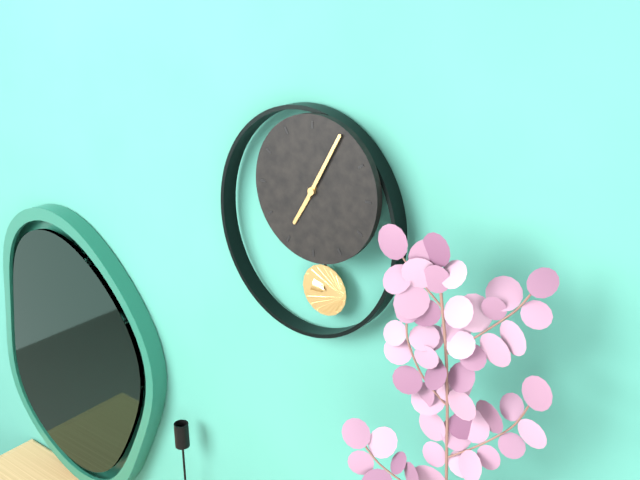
7:05
